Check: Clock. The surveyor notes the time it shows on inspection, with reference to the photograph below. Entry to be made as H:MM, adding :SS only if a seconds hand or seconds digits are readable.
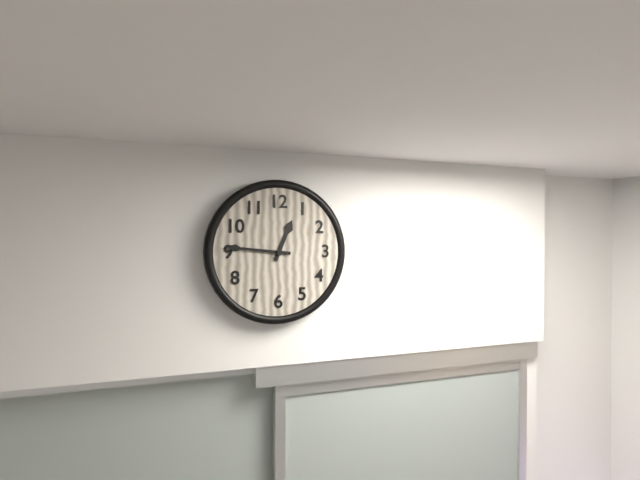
12:46
